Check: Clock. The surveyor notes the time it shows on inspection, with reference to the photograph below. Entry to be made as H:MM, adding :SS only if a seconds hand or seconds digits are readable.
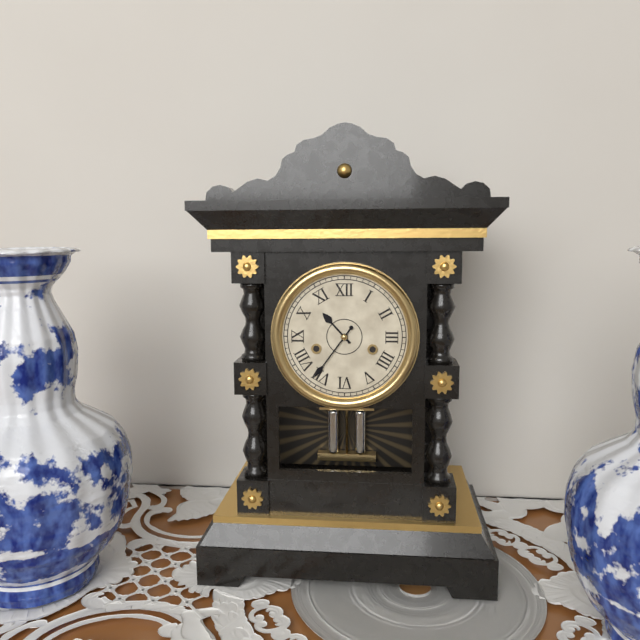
10:36
